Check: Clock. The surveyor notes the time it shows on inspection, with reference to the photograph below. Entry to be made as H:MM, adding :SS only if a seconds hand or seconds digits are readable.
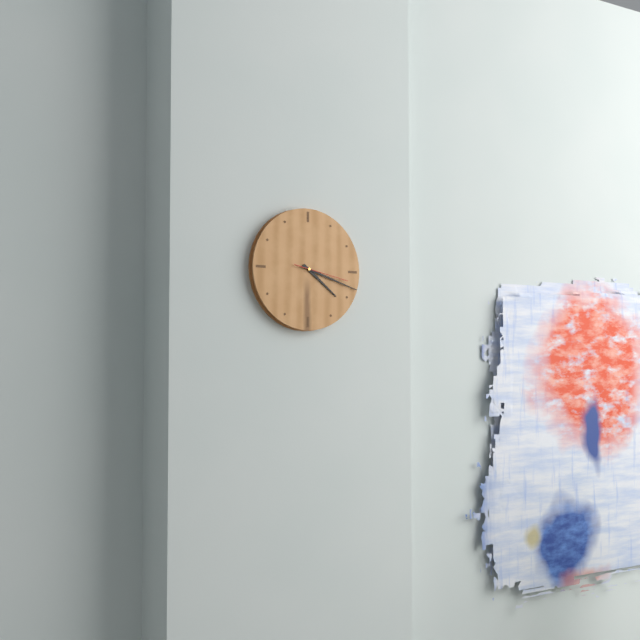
4:18:17
